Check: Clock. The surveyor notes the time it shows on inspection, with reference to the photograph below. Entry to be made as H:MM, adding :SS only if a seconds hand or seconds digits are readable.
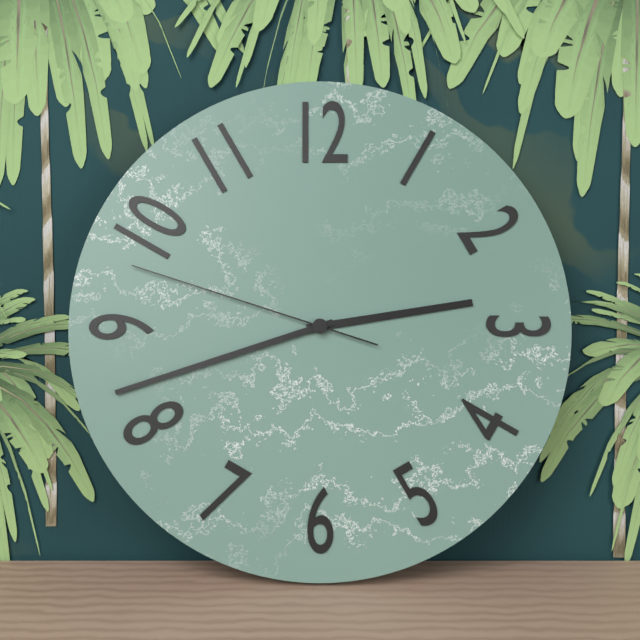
2:42:48
